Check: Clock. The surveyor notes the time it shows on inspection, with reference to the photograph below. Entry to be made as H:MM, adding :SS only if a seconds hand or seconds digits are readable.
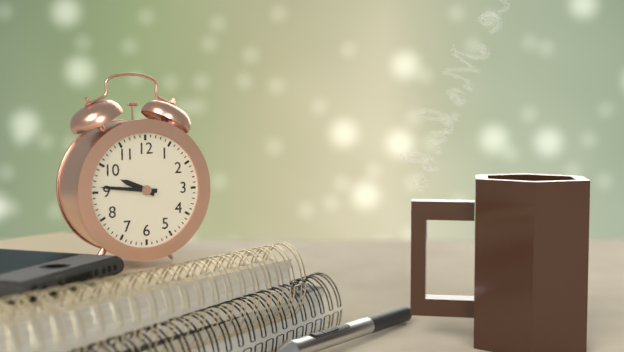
9:46
